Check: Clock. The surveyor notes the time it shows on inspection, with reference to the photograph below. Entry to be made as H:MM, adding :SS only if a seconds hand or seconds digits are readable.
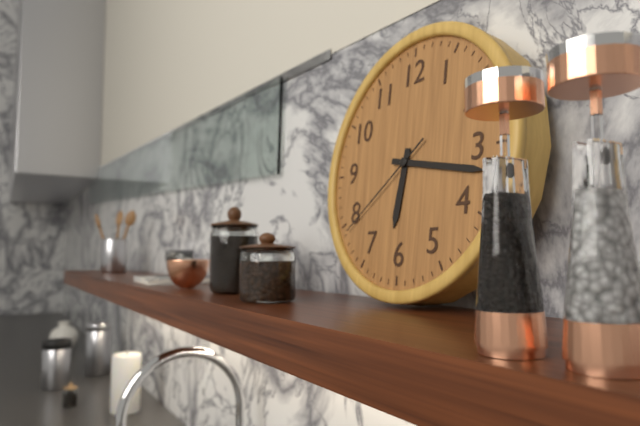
6:17:39
